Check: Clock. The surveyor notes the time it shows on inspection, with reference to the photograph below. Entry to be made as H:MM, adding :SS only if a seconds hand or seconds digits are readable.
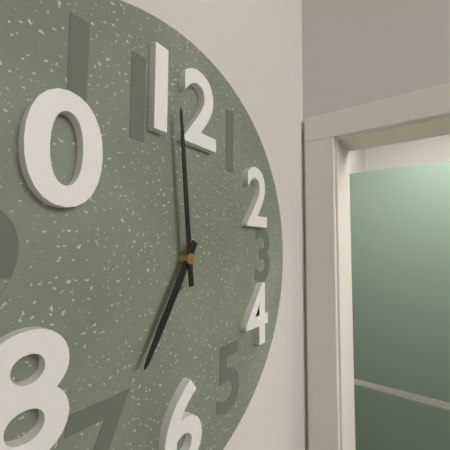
6:59
